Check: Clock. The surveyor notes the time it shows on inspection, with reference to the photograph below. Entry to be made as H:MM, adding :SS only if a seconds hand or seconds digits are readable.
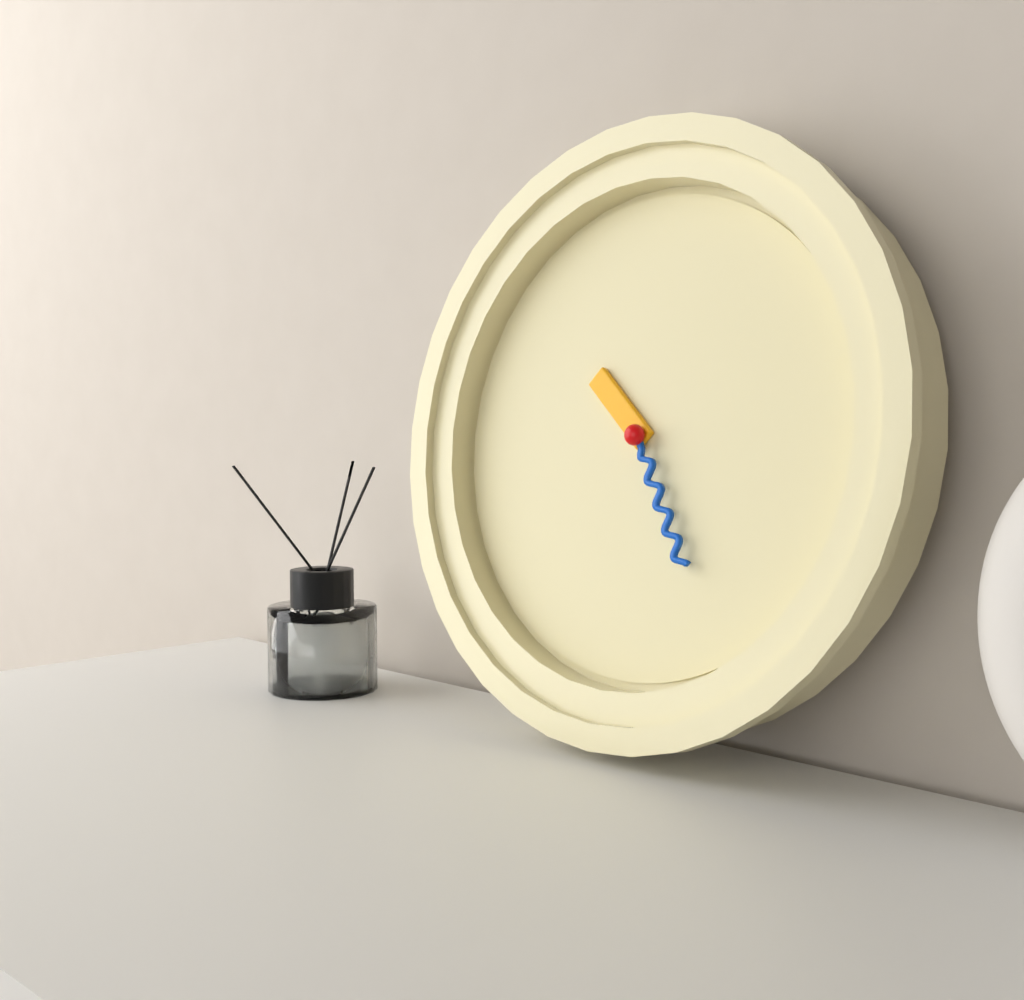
10:25
